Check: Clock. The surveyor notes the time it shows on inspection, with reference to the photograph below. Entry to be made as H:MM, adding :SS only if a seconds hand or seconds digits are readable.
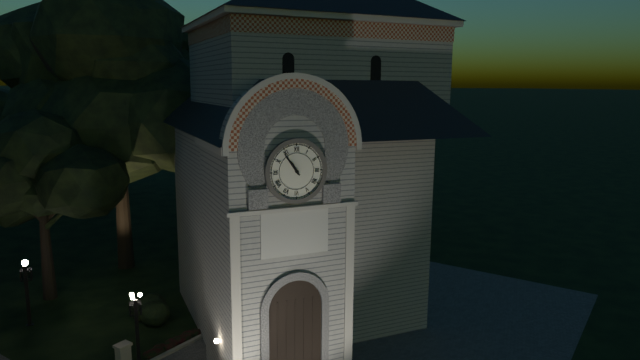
10:54
